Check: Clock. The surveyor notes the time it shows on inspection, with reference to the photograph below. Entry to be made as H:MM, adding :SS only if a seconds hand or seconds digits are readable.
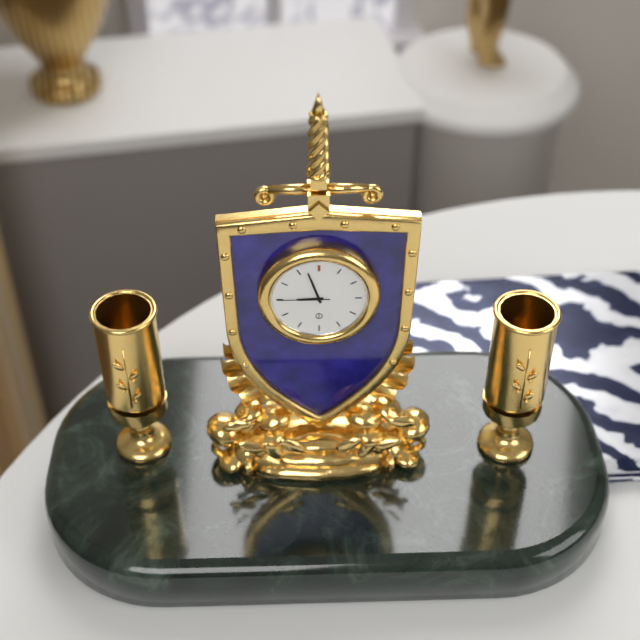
8:57:45
